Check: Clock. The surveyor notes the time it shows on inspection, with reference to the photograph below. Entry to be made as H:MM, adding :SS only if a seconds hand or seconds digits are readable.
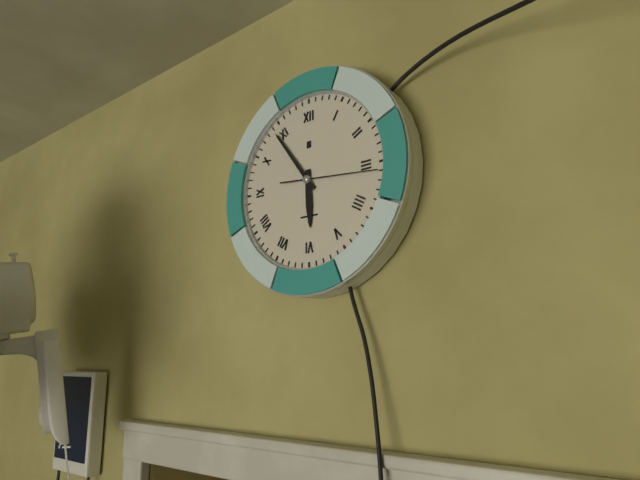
5:54:16
